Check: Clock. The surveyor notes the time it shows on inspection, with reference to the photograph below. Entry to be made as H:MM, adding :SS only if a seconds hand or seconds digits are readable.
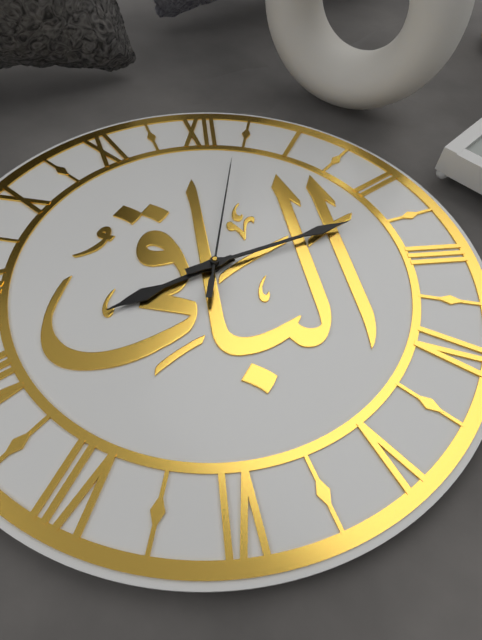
8:12:02
